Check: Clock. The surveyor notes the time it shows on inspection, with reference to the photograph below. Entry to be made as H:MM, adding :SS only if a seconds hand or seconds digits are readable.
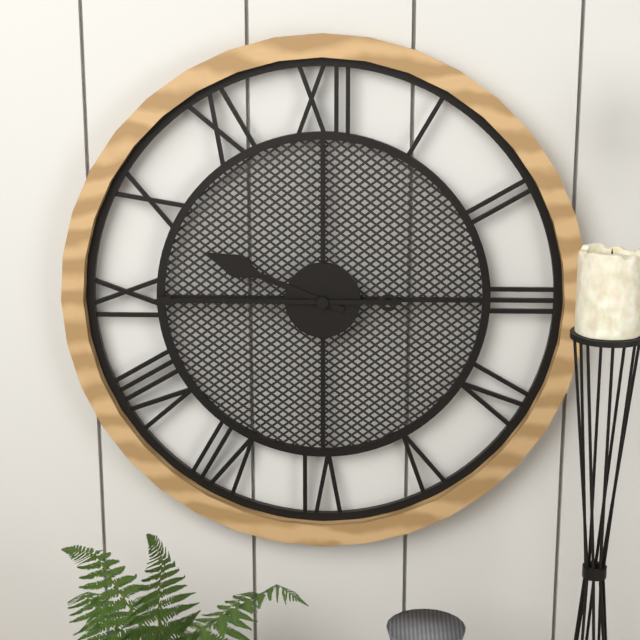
9:45
